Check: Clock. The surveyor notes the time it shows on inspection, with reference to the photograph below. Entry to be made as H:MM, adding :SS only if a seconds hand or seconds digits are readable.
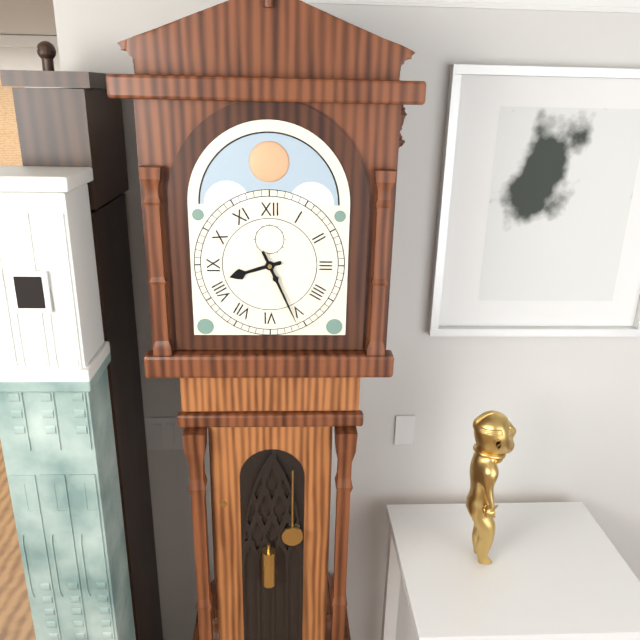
8:26
